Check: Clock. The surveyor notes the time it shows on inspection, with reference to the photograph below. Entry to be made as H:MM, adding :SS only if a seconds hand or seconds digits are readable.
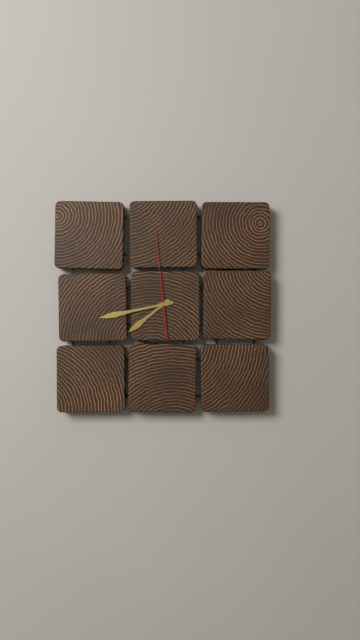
7:43:59
